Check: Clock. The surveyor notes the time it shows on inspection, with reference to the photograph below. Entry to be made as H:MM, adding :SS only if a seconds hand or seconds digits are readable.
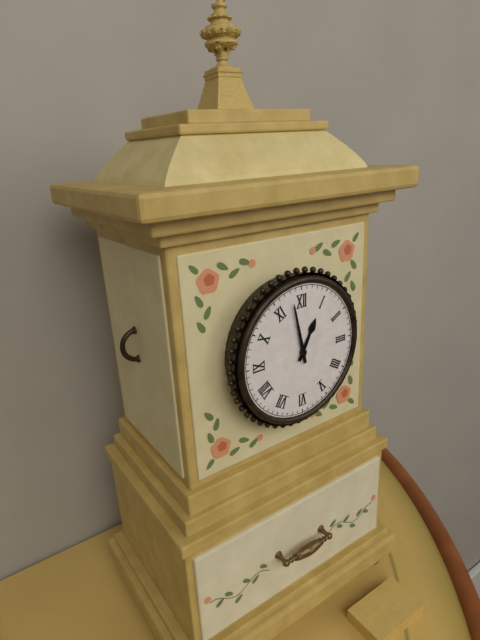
12:58
